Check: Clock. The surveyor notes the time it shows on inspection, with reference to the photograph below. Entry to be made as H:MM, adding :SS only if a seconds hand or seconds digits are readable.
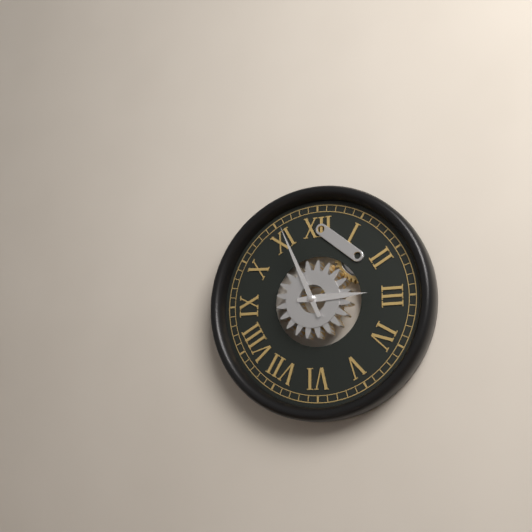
2:56
